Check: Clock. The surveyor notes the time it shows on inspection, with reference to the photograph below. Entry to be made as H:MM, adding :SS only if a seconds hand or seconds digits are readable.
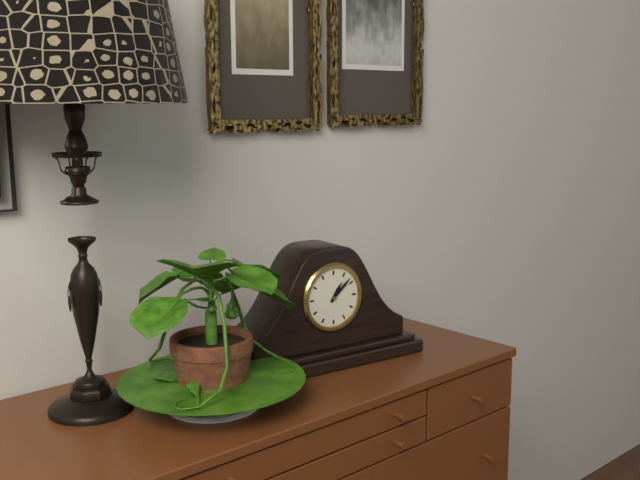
1:08
